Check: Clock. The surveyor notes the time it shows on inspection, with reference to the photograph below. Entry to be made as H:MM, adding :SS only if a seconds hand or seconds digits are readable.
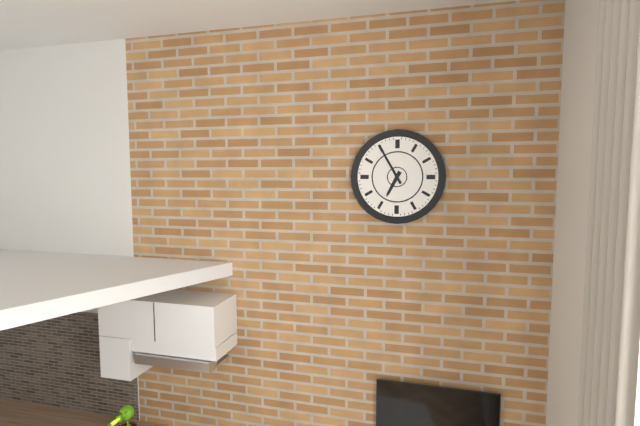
6:55
